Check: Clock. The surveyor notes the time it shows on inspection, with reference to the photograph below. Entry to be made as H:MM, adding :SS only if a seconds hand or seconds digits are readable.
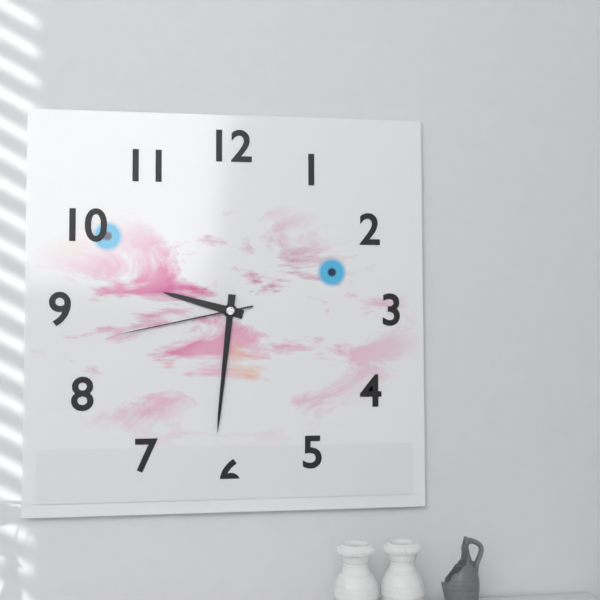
9:31:43
